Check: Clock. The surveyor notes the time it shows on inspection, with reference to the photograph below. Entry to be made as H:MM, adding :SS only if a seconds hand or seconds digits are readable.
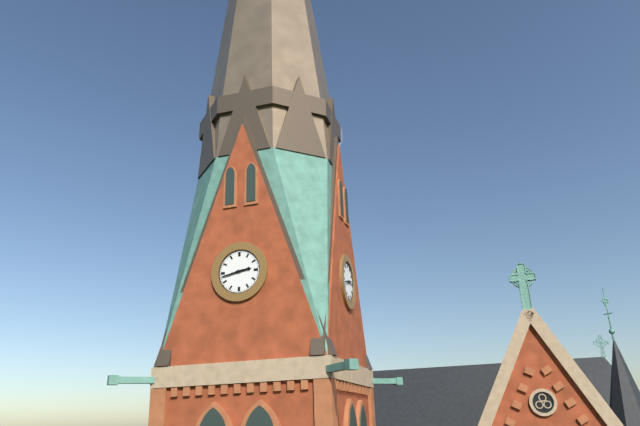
2:43
